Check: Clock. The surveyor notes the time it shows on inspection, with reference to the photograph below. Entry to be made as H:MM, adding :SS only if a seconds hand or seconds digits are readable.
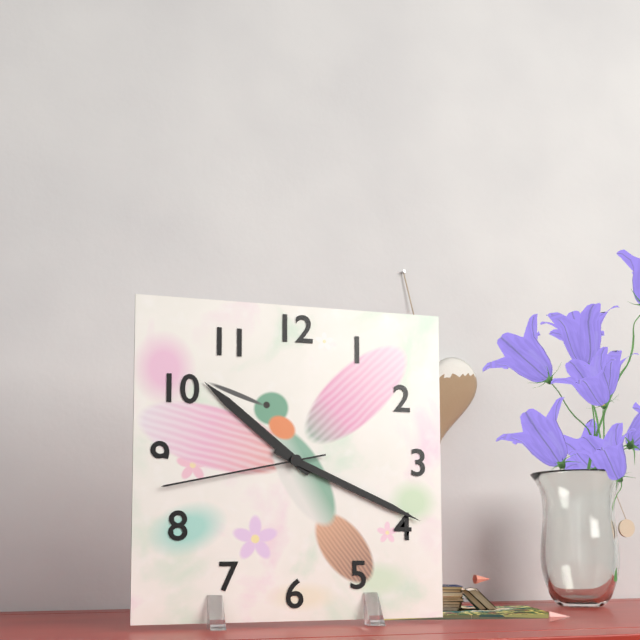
10:19:43
